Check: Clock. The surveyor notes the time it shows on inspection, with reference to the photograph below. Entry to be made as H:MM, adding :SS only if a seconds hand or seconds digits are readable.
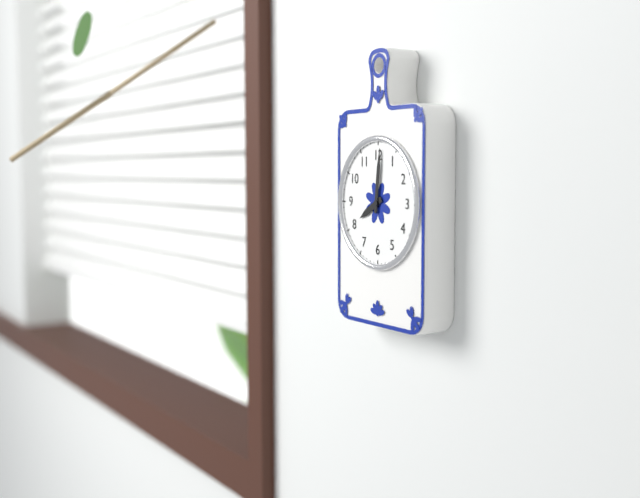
8:01
